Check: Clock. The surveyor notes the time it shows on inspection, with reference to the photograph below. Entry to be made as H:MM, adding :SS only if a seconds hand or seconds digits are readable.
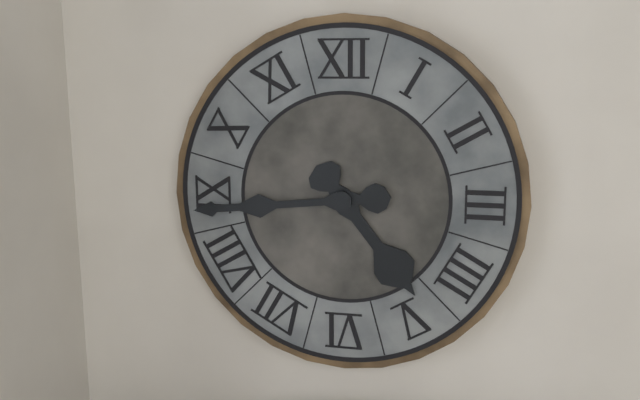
4:44
